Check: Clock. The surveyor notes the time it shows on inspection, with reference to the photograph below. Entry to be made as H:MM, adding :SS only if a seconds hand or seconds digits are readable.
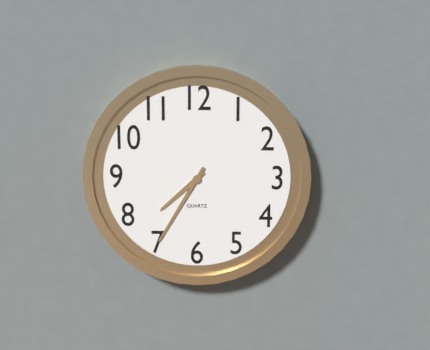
7:35
